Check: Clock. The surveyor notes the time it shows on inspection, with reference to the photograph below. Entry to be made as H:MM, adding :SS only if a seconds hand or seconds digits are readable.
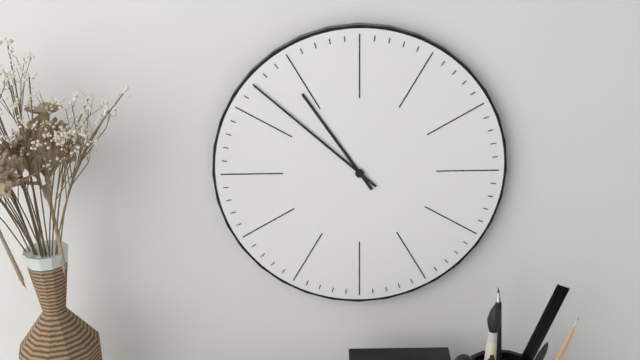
10:52
